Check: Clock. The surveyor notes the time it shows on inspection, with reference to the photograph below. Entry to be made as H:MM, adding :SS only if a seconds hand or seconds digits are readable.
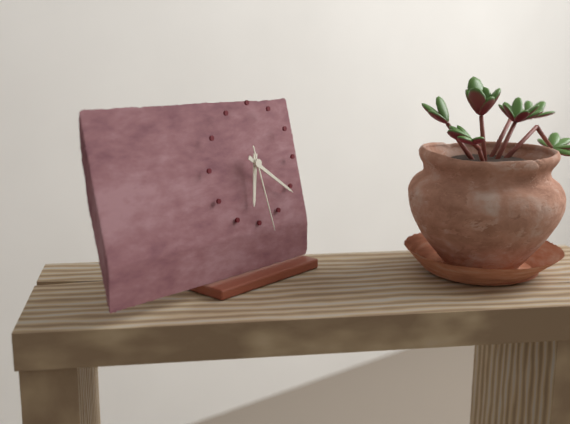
6:21:28
